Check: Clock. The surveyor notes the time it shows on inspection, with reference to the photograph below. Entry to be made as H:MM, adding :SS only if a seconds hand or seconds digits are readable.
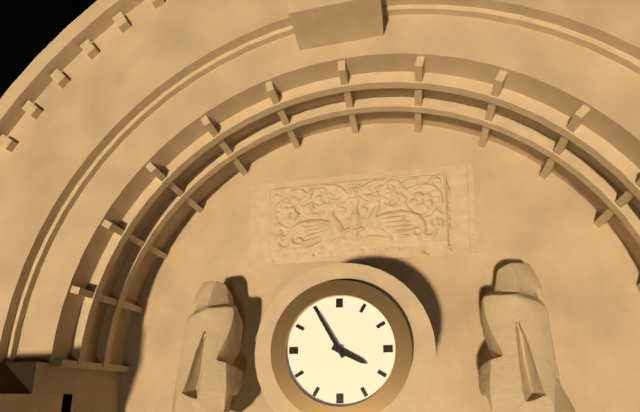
3:55
